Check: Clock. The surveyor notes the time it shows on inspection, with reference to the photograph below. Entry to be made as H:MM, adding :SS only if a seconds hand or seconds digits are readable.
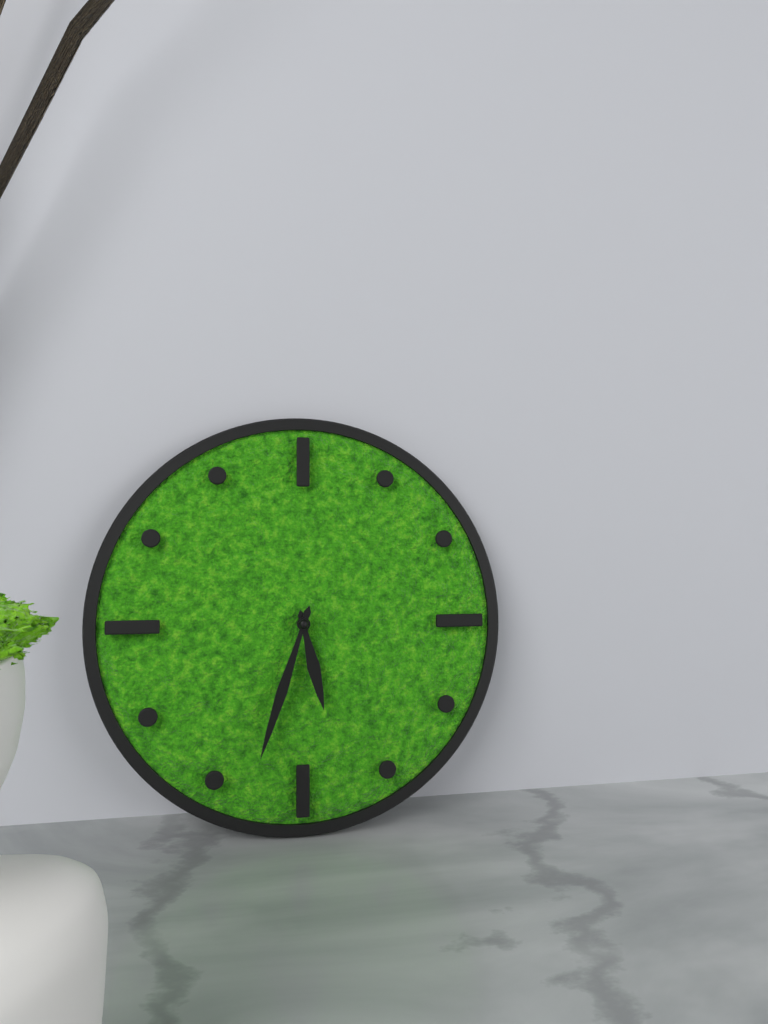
5:33
